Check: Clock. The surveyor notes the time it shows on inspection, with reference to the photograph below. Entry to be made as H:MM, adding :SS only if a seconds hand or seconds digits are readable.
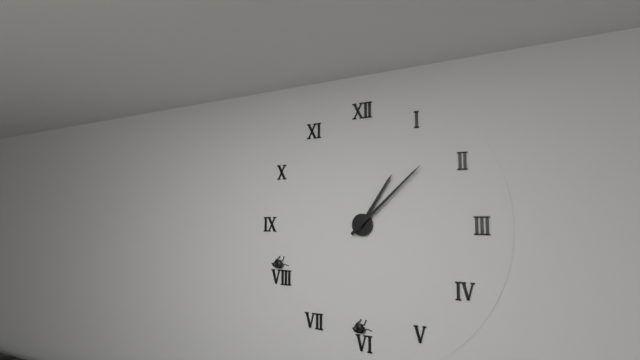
1:08
